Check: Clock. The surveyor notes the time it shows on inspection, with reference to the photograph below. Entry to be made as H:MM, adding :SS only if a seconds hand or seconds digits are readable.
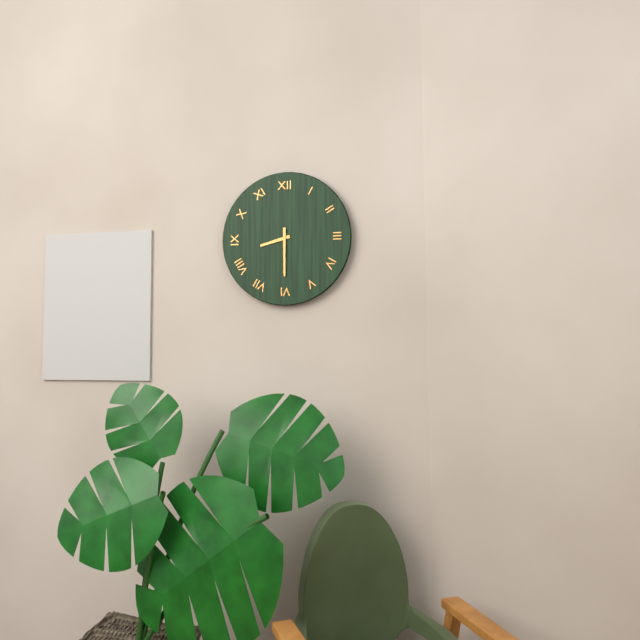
8:30
